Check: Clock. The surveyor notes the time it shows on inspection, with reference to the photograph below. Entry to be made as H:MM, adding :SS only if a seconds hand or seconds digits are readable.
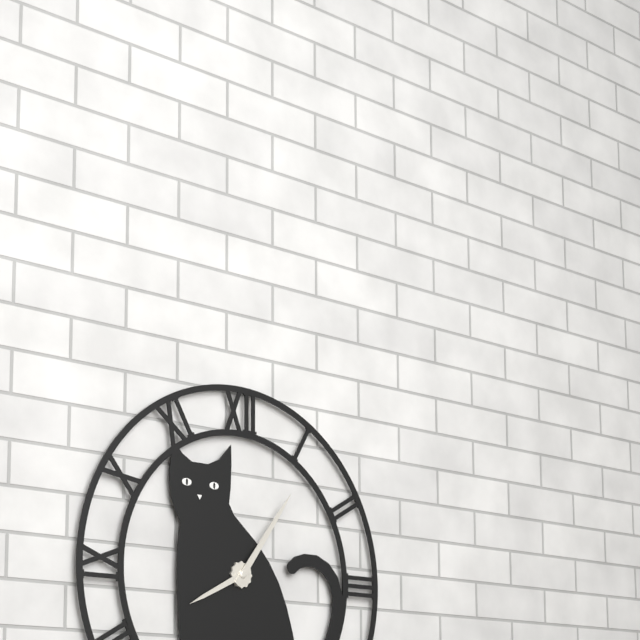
8:06
